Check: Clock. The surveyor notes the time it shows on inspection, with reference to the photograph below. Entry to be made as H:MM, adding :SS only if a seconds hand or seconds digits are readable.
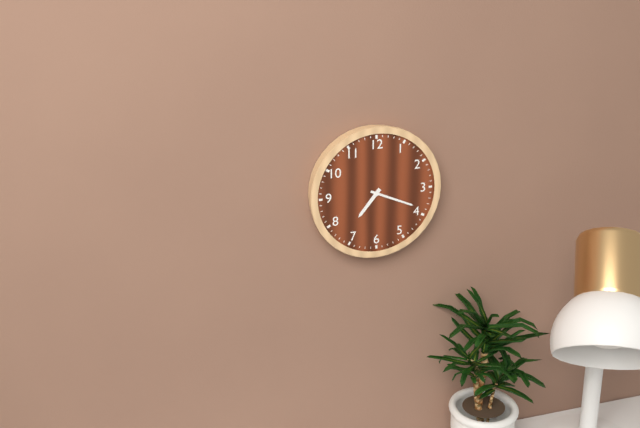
7:19
